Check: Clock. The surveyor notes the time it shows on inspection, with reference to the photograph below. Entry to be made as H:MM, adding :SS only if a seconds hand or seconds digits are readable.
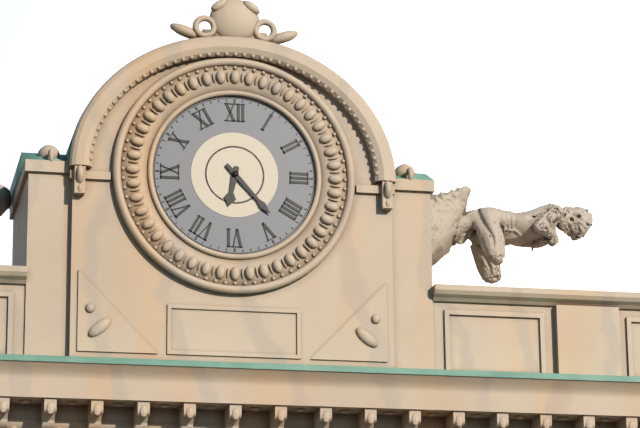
6:23
